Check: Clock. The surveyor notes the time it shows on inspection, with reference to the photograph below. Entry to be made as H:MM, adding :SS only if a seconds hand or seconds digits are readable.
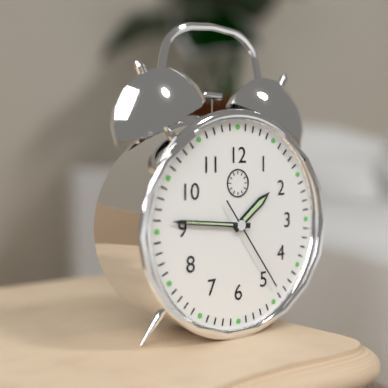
1:46:24
